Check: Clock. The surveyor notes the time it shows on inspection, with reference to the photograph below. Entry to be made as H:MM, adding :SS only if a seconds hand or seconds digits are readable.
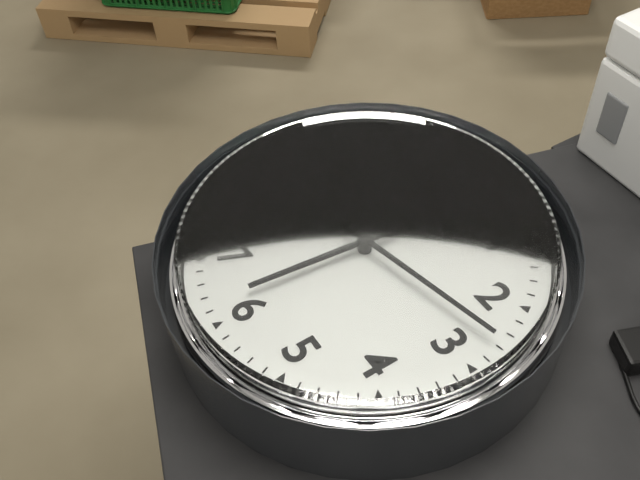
6:13
